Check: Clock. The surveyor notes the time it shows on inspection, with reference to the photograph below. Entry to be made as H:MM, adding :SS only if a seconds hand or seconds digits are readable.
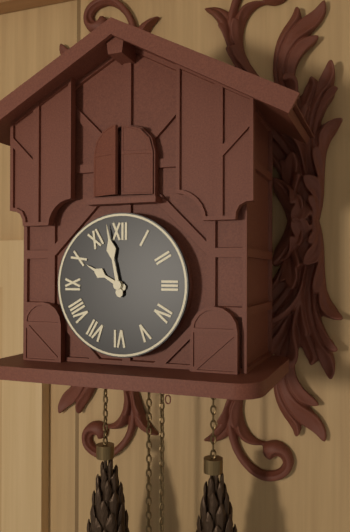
9:58
